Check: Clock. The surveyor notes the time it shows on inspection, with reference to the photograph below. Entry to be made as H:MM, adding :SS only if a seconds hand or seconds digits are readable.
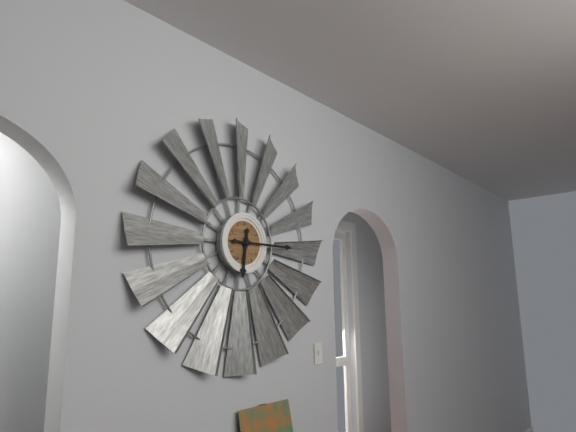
6:15
